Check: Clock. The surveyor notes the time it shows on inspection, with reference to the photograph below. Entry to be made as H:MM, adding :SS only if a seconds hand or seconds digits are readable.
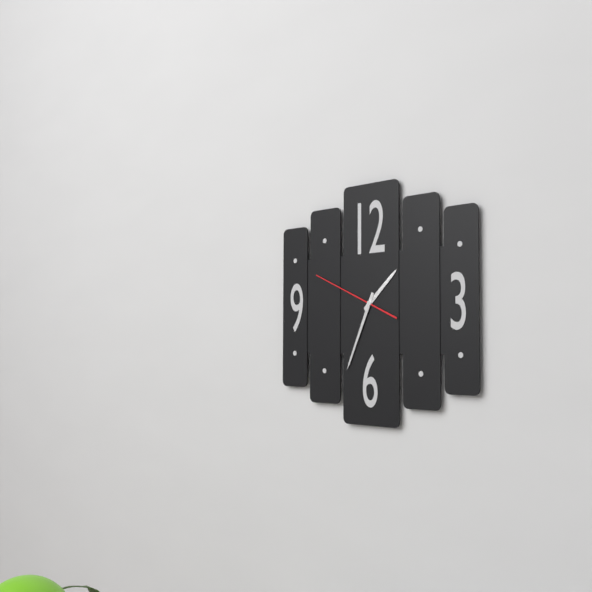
1:34:49
